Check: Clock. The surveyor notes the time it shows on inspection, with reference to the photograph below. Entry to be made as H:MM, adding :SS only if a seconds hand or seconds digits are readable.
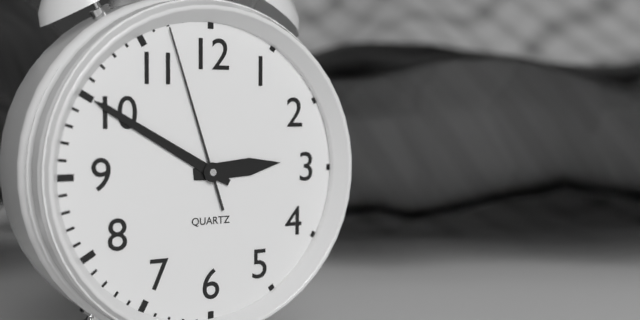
2:50:57
